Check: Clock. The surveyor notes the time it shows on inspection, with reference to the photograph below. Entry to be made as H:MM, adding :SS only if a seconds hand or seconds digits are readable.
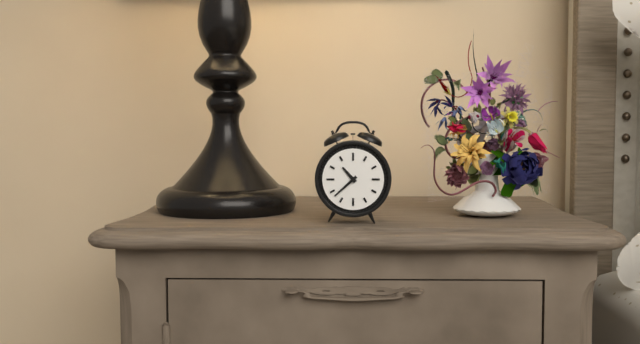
10:38
